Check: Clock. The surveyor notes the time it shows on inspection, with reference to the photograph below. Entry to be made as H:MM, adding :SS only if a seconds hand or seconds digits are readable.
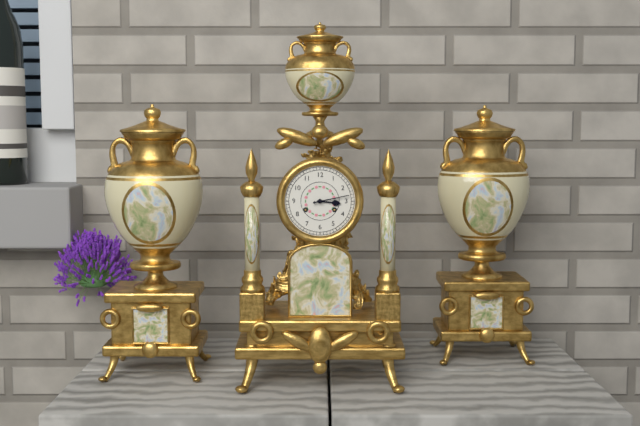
3:13
